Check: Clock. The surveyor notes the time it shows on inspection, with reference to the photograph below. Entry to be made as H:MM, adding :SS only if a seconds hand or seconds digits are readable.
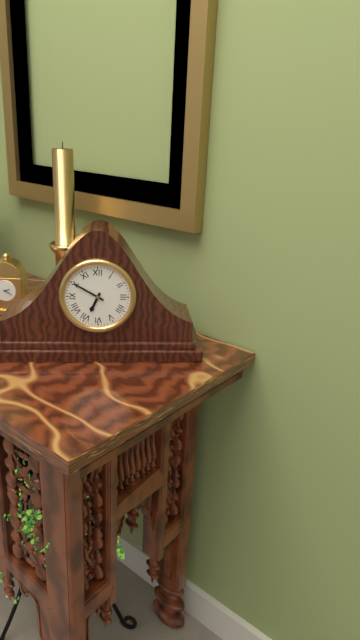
6:50
